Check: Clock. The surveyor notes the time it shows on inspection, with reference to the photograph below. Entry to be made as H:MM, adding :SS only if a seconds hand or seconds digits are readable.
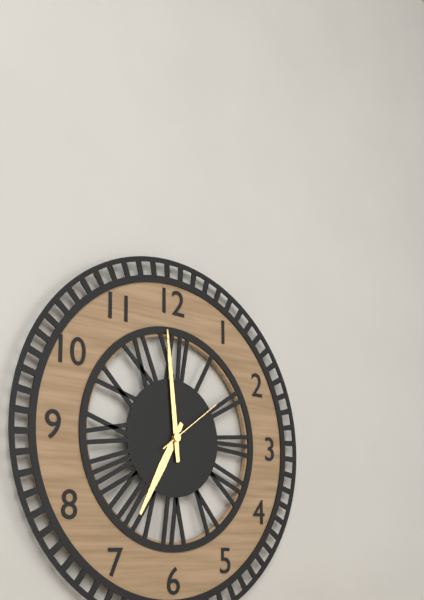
6:59:09
